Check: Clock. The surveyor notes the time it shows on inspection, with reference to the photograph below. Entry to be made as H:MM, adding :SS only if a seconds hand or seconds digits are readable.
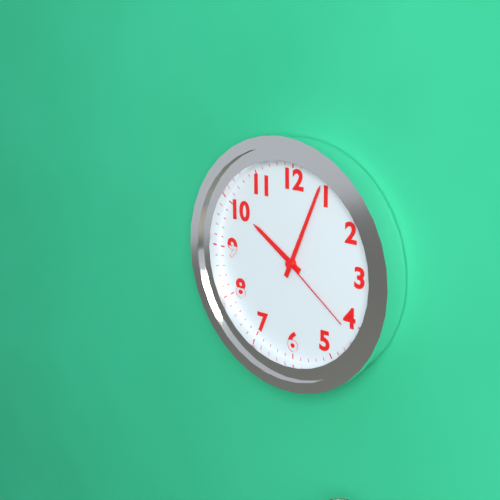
10:04:21
